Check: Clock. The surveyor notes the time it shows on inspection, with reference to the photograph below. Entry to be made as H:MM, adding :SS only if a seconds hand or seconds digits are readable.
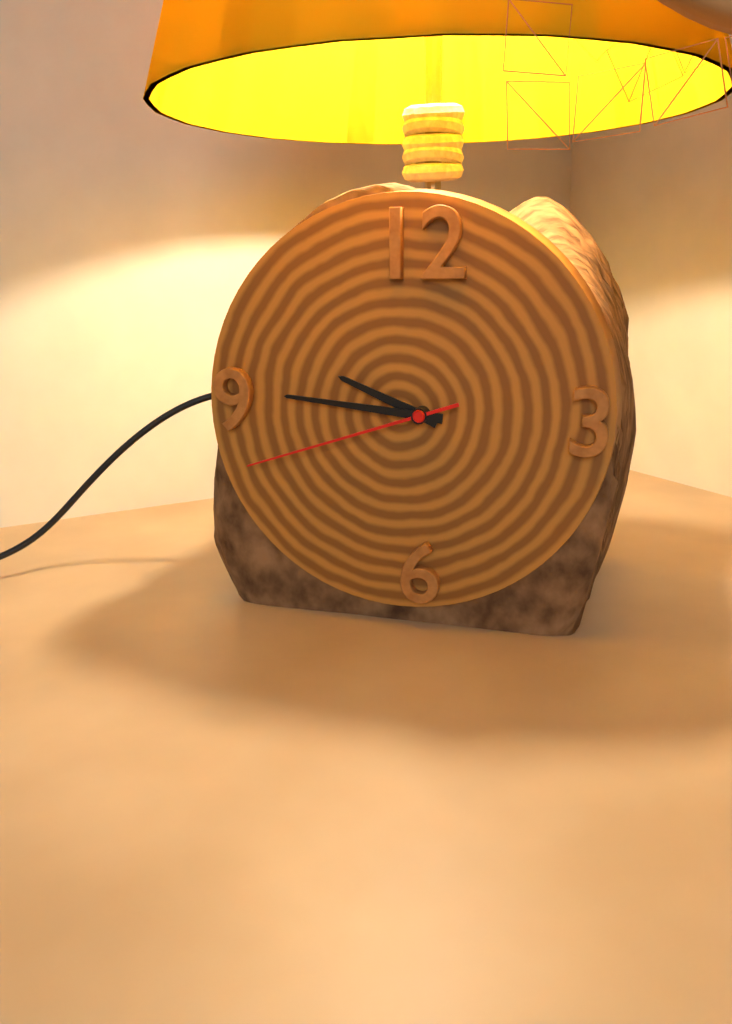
9:46:42
